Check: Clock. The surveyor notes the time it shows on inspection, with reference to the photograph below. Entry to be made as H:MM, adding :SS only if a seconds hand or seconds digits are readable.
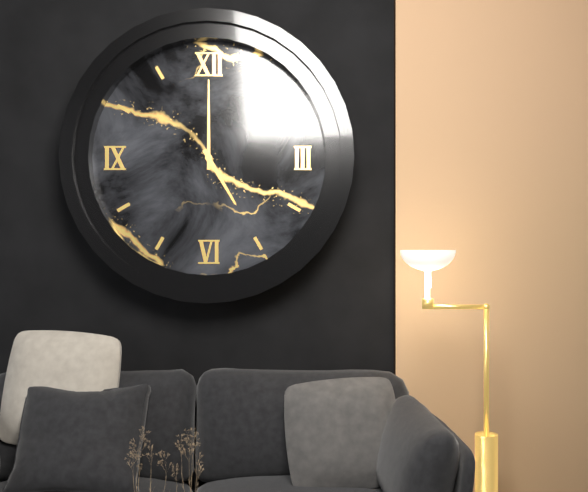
5:00
